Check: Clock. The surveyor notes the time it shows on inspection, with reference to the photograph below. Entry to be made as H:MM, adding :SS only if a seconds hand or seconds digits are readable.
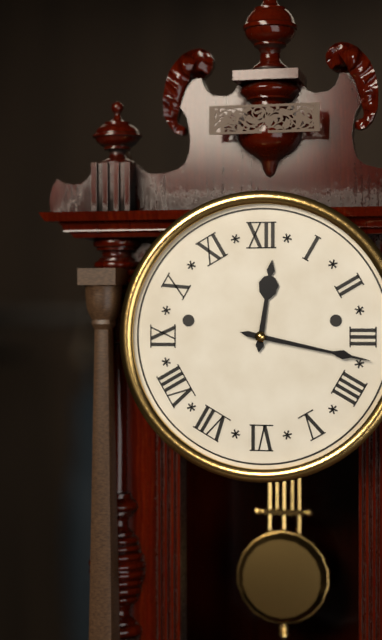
12:17
